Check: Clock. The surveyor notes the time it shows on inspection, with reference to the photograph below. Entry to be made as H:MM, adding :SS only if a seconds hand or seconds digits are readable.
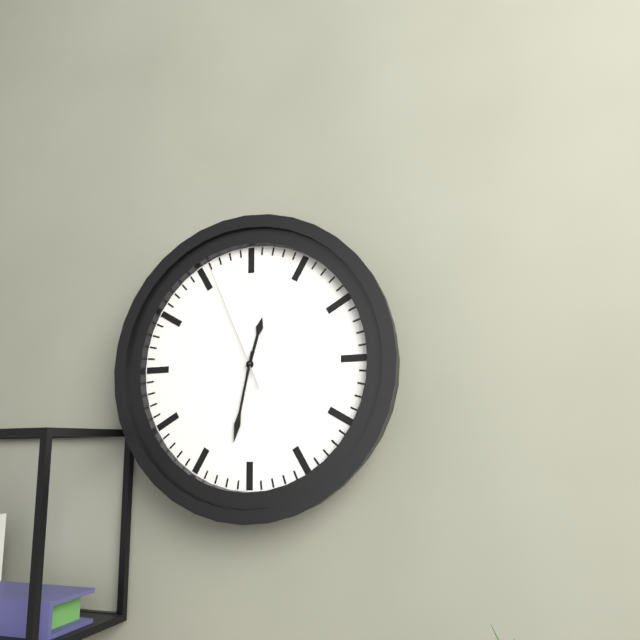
12:32:56
